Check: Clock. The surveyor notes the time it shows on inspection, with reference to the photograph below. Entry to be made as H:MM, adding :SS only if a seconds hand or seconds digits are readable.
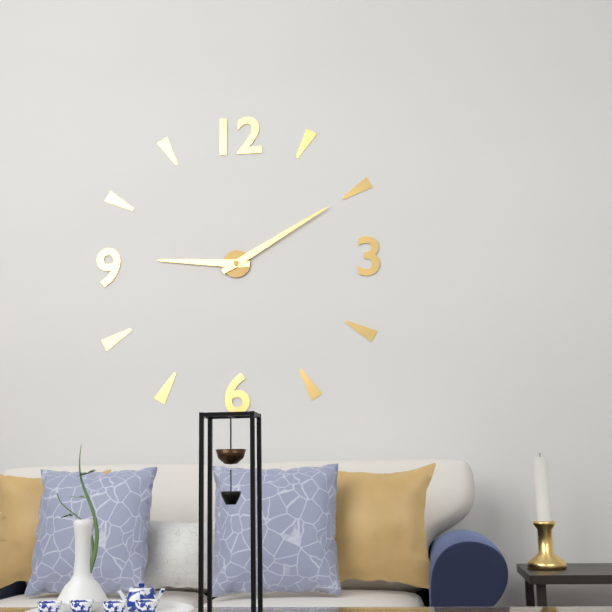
9:10
